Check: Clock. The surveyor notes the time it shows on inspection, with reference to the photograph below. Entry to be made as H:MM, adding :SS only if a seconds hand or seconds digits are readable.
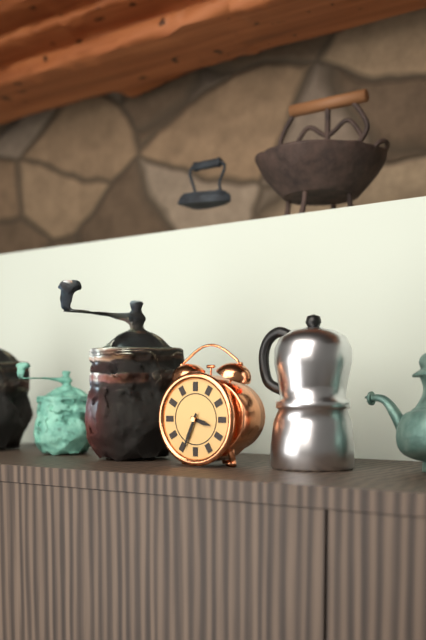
3:34
